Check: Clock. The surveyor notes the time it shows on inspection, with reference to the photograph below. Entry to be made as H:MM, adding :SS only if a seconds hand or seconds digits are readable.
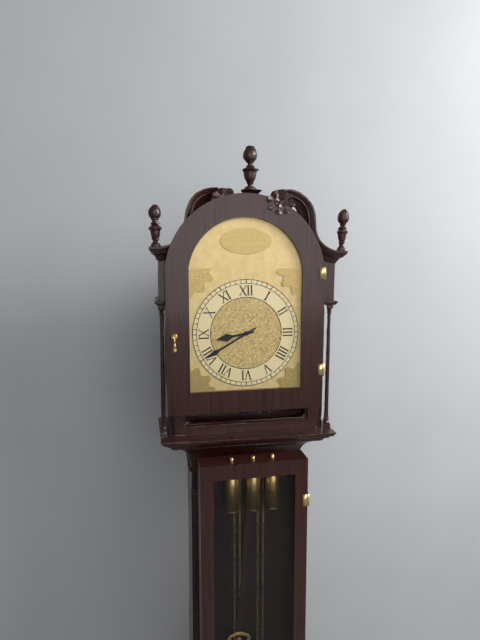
8:40
